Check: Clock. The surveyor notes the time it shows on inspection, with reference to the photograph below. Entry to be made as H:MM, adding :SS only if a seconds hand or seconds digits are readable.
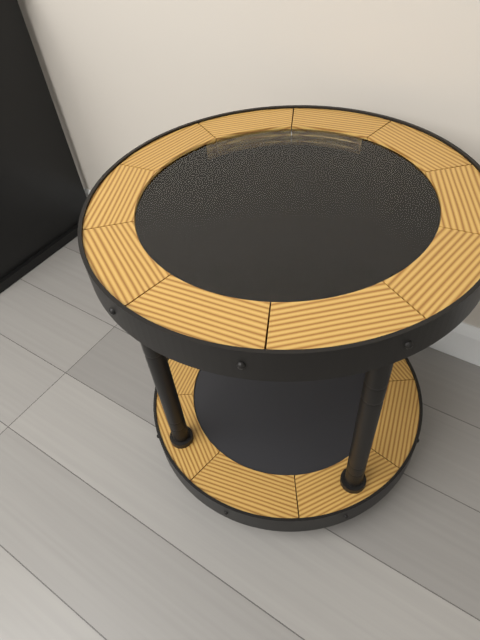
11:18
